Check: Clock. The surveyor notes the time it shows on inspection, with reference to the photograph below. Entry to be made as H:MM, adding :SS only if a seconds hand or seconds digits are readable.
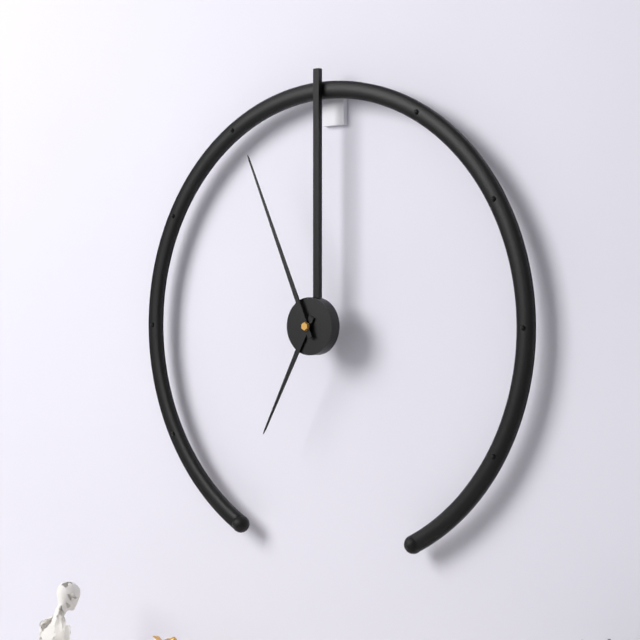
6:56
